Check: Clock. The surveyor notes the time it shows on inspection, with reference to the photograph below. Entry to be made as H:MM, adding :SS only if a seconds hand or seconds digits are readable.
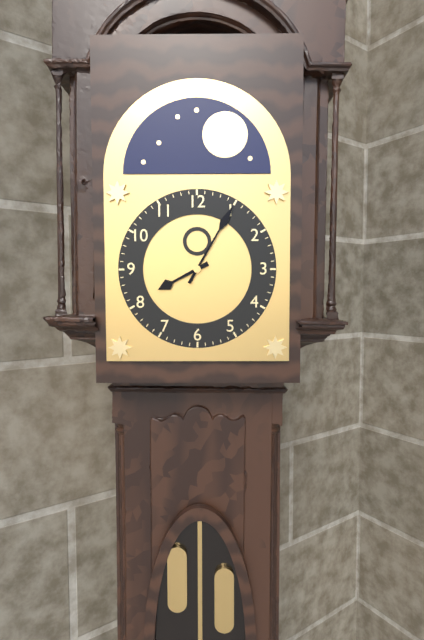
8:05
